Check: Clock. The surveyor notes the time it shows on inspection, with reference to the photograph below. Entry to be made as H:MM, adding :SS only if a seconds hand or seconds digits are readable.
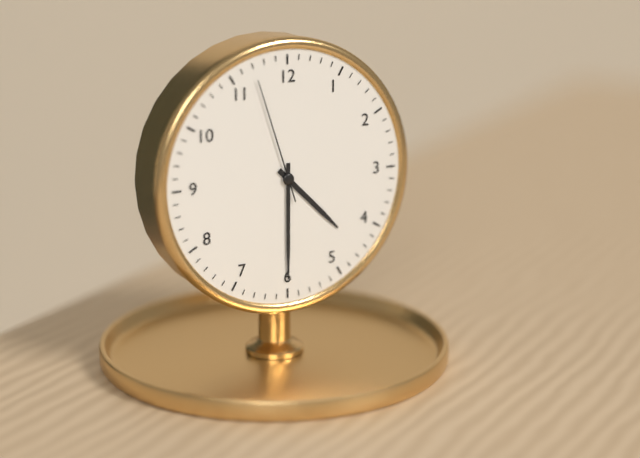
4:30:57
